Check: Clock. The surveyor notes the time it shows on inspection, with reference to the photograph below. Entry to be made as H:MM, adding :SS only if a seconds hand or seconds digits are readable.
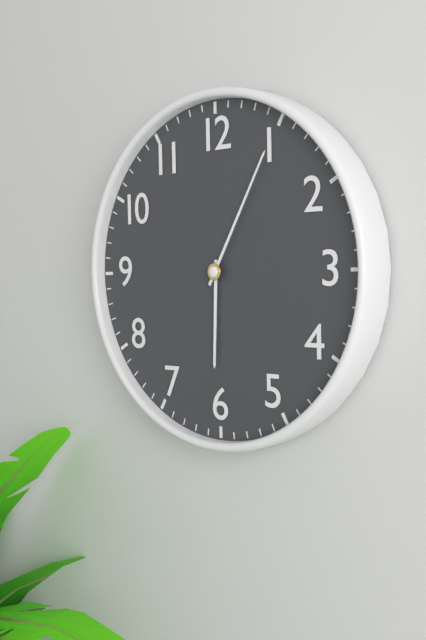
6:05
